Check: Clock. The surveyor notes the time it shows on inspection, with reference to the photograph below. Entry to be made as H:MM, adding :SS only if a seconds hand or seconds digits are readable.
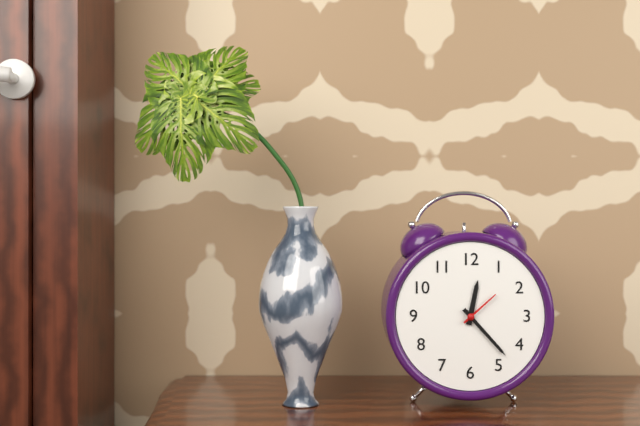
12:23
